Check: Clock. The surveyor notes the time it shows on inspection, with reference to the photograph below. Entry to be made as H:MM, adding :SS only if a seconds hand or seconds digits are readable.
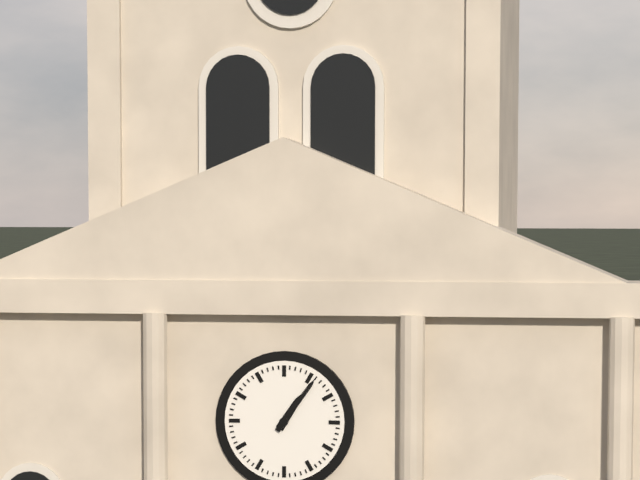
1:06
